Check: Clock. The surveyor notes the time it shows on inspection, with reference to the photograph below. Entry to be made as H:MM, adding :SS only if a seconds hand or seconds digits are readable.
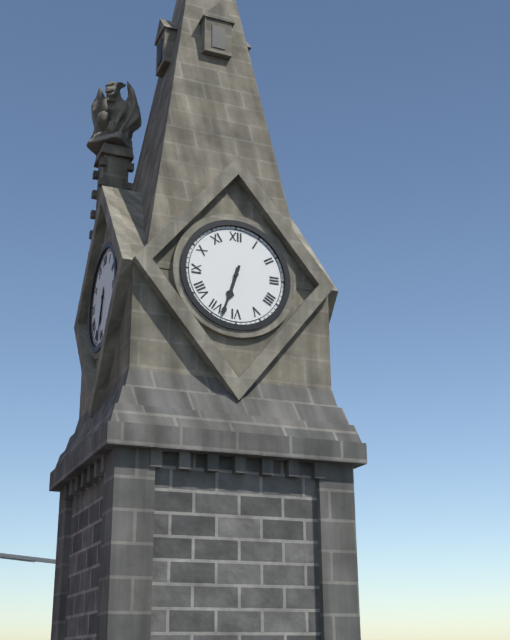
6:33
